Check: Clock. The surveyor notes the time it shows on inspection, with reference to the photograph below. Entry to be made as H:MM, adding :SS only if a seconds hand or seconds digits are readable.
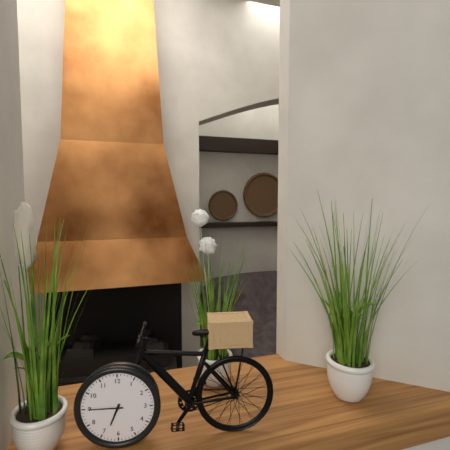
6:45
